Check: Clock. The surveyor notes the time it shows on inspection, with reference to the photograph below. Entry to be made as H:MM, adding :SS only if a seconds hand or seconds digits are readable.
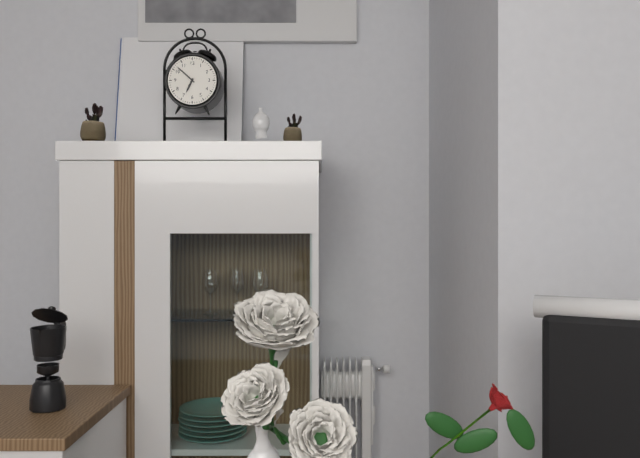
6:52
